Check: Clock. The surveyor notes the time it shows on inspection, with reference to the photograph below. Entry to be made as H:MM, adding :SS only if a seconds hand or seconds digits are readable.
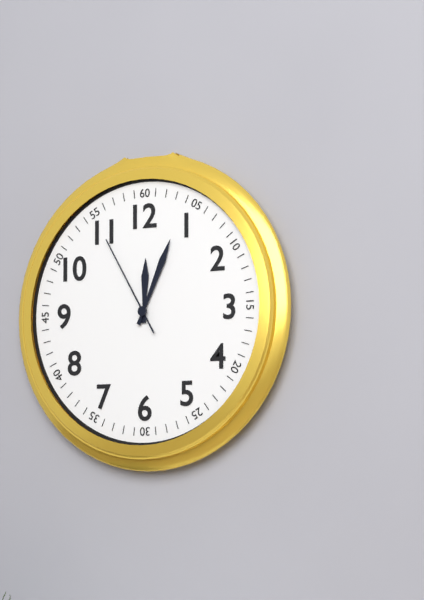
12:04:55
